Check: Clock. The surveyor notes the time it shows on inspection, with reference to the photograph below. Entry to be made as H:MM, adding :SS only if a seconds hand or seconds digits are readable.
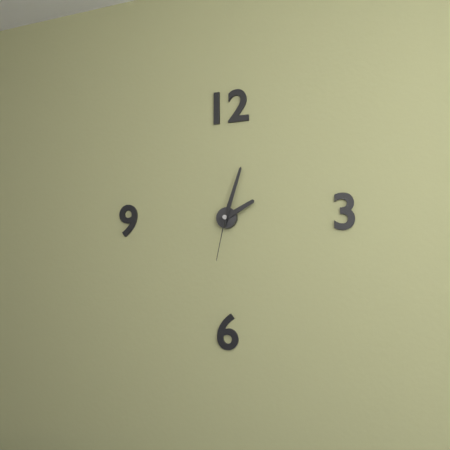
2:03:32
